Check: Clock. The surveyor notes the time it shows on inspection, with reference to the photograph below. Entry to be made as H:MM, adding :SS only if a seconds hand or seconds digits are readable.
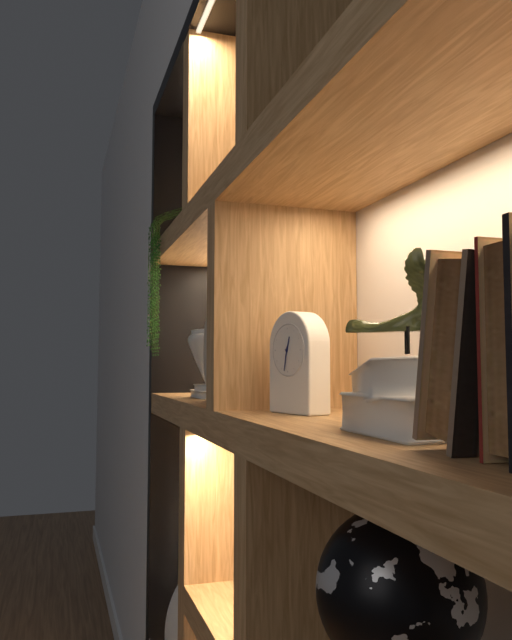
12:32
